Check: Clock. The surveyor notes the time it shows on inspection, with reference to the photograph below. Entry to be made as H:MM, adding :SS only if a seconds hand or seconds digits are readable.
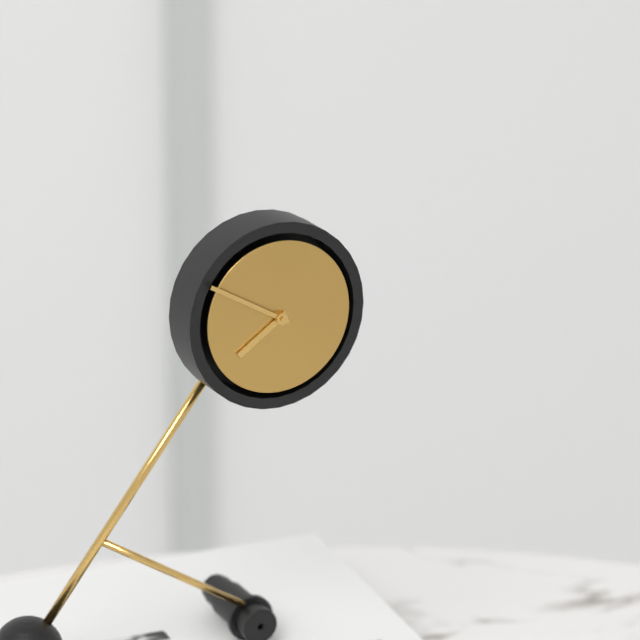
7:50
